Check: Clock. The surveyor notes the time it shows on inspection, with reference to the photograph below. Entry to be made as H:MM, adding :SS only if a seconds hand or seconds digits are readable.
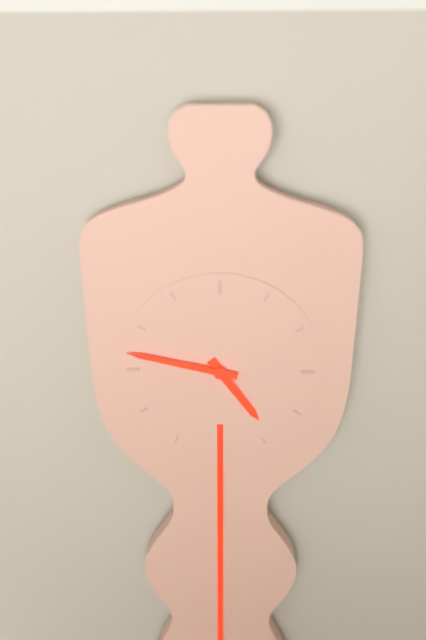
4:47
